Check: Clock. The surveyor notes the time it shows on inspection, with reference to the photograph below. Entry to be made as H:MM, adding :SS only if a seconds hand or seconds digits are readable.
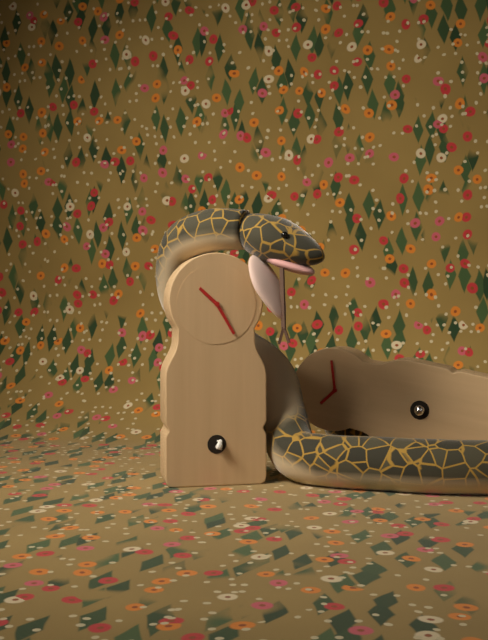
10:25
